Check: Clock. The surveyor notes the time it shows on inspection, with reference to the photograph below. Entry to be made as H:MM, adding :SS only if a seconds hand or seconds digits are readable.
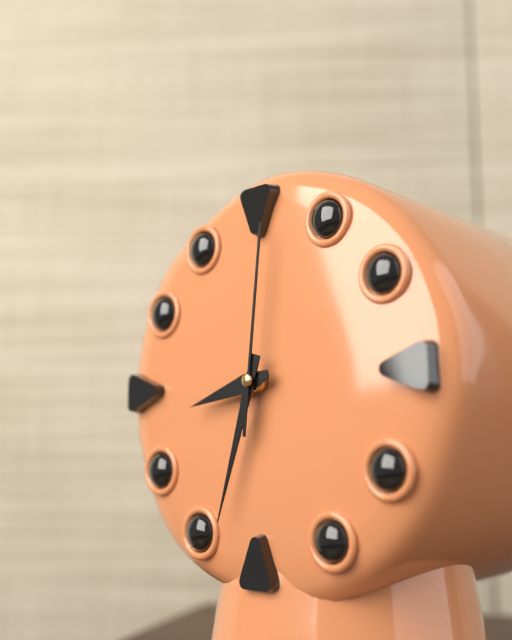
8:33:01
